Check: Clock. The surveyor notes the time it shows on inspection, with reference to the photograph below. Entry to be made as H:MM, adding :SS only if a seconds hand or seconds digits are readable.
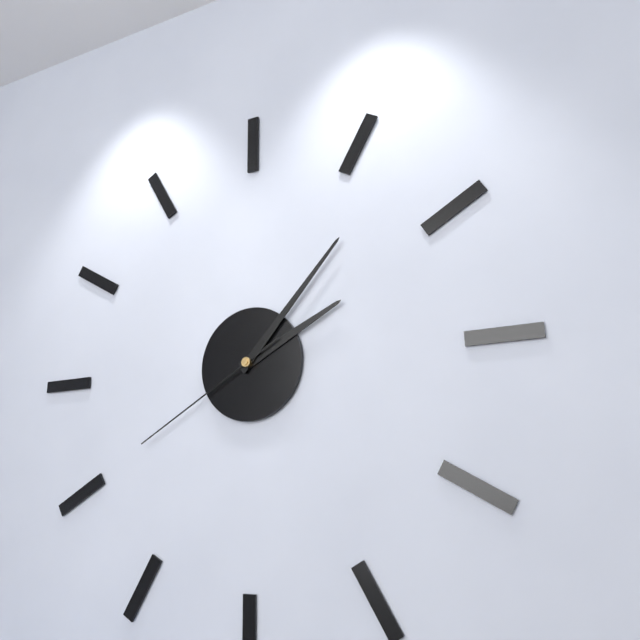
2:07:40
